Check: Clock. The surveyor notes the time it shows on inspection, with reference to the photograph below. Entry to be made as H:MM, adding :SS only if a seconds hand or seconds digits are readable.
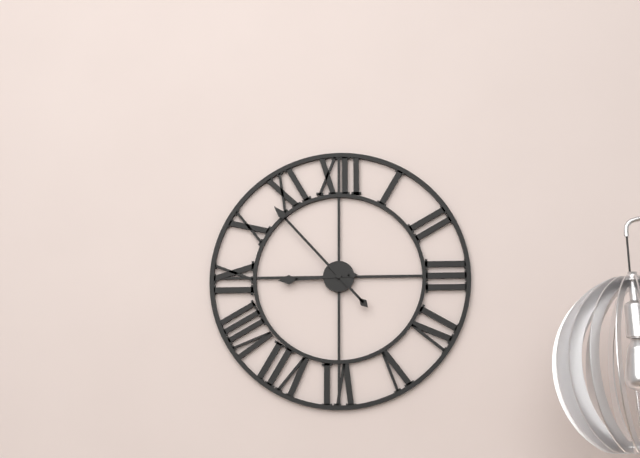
8:53
